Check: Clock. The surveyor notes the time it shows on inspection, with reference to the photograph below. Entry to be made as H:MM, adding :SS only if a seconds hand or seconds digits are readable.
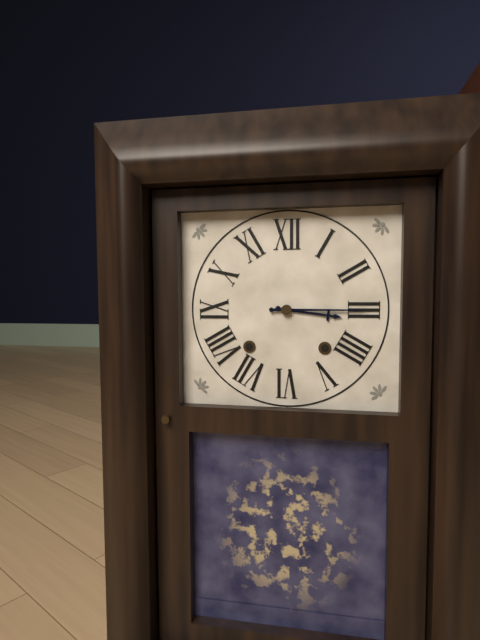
3:15
